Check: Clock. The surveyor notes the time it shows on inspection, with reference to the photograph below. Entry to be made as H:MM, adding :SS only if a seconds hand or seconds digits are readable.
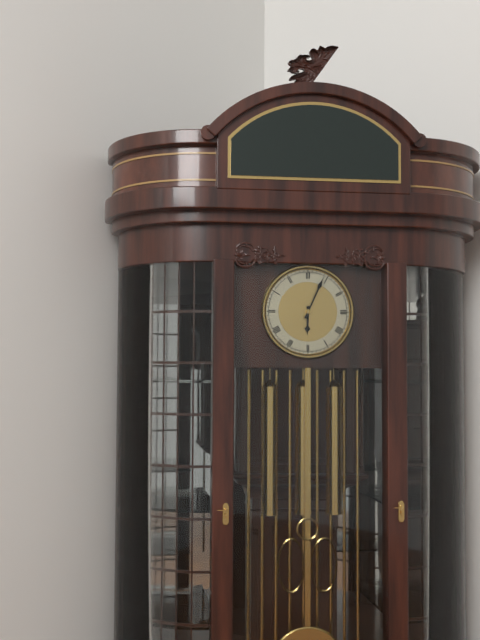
6:04
